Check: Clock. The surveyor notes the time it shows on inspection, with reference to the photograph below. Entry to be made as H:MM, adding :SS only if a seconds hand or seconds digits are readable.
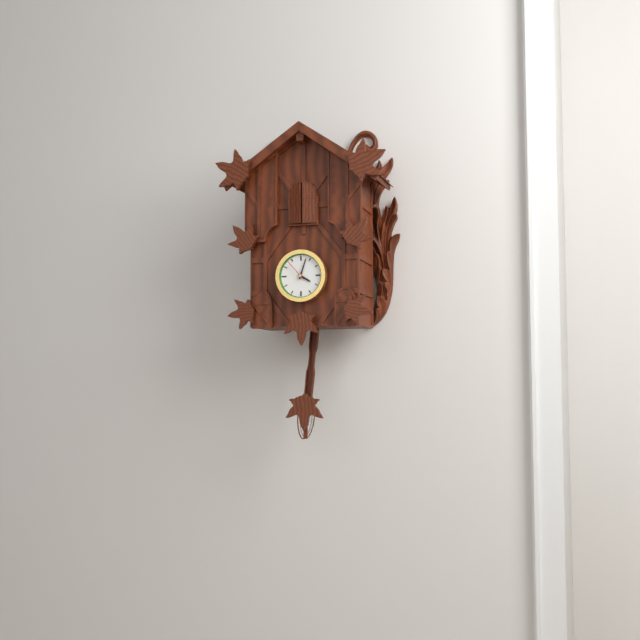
4:03
